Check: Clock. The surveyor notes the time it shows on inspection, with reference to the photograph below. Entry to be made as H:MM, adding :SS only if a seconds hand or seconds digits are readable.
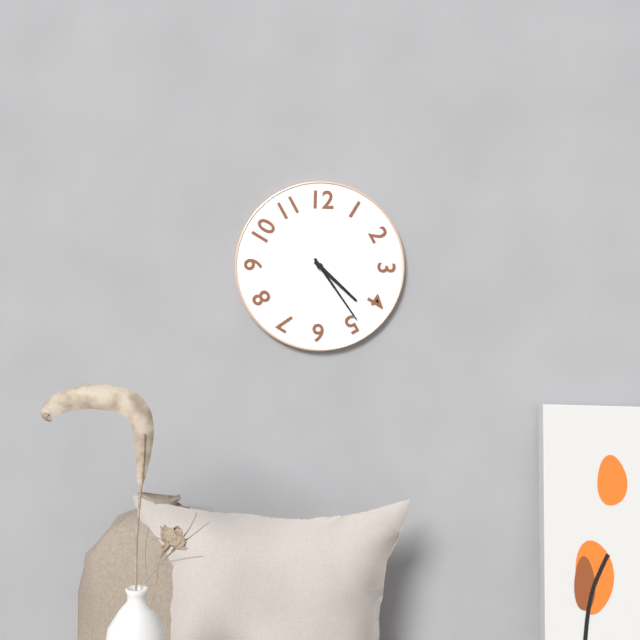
4:24
